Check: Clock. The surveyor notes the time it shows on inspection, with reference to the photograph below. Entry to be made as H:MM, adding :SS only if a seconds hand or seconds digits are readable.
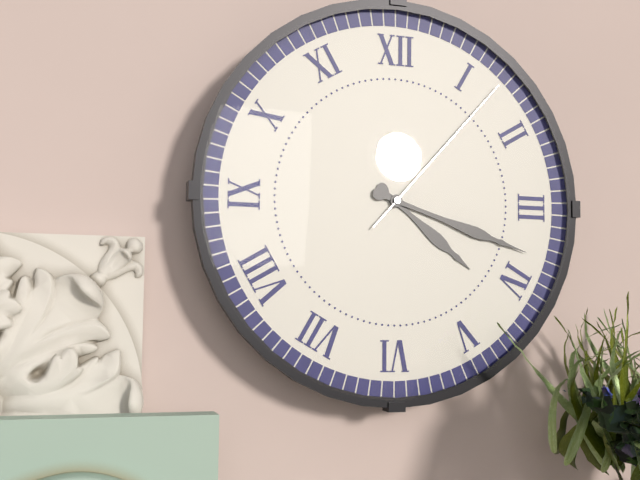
4:18:07
